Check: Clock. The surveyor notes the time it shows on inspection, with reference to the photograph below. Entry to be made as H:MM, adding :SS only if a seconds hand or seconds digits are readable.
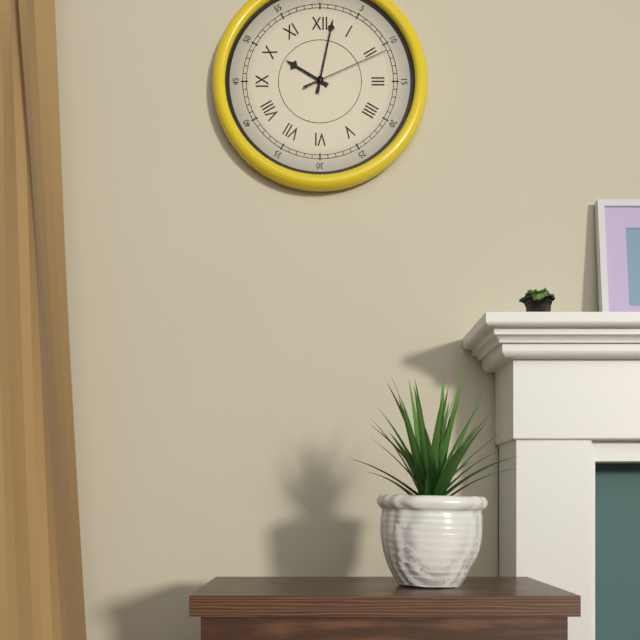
10:02:11
